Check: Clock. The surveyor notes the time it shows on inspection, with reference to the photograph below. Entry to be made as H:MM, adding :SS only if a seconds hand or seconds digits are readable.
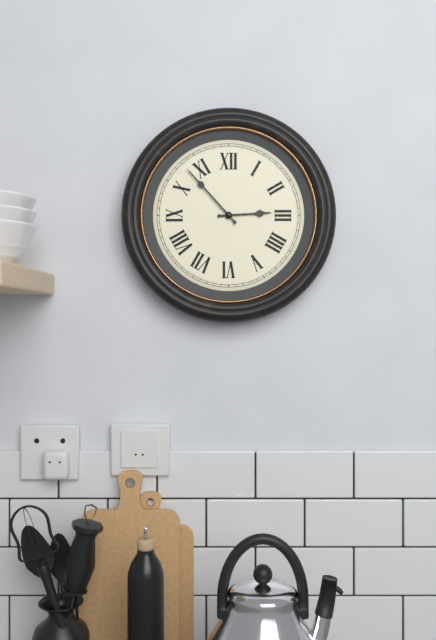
2:53
